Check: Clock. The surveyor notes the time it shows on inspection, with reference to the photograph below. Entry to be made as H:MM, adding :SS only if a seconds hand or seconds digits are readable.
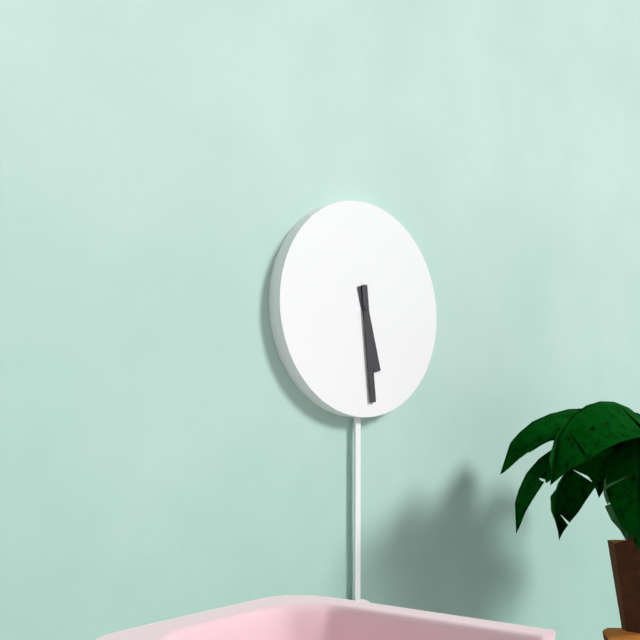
5:29
